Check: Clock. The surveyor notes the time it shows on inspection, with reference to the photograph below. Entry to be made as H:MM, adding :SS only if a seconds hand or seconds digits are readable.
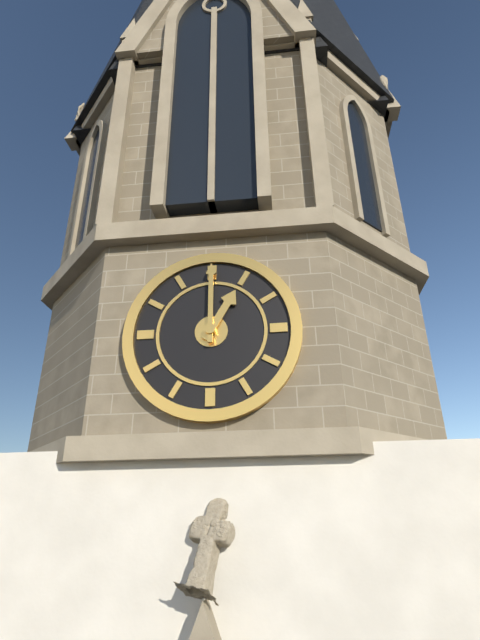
1:00
